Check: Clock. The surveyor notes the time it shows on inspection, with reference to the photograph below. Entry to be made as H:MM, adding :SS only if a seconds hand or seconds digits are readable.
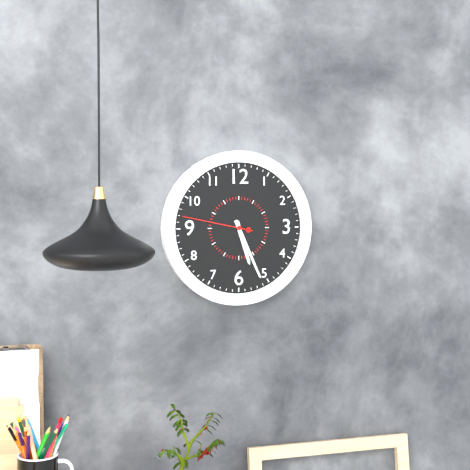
5:26:47
